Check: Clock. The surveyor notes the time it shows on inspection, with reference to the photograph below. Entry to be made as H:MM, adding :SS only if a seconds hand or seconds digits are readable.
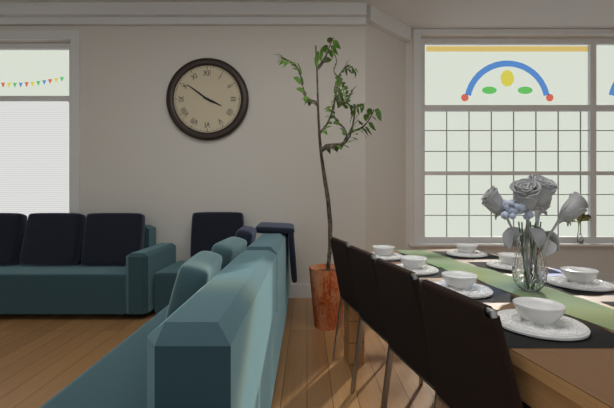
3:51
